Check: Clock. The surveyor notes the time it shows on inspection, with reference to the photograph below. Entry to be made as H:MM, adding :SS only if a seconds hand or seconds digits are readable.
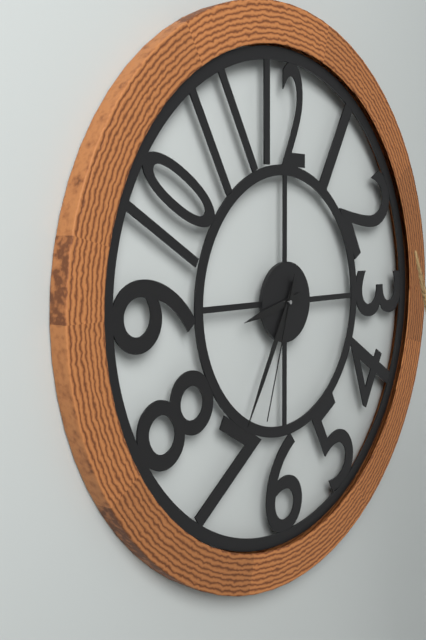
8:35:33
